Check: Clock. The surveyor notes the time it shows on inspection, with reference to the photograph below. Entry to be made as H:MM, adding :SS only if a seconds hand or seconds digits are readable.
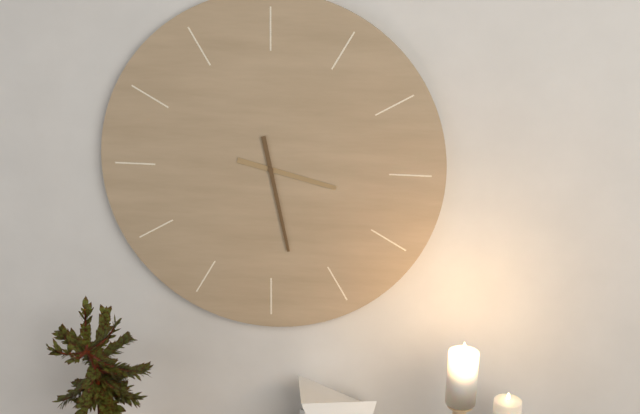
3:28
